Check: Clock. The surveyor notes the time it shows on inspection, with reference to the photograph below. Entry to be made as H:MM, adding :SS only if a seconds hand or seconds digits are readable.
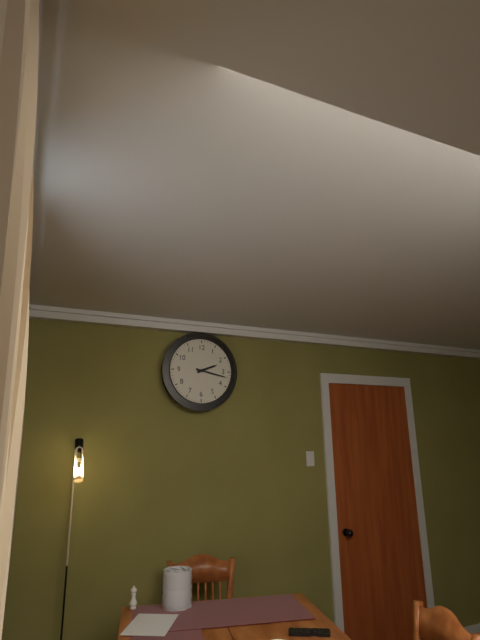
2:17
